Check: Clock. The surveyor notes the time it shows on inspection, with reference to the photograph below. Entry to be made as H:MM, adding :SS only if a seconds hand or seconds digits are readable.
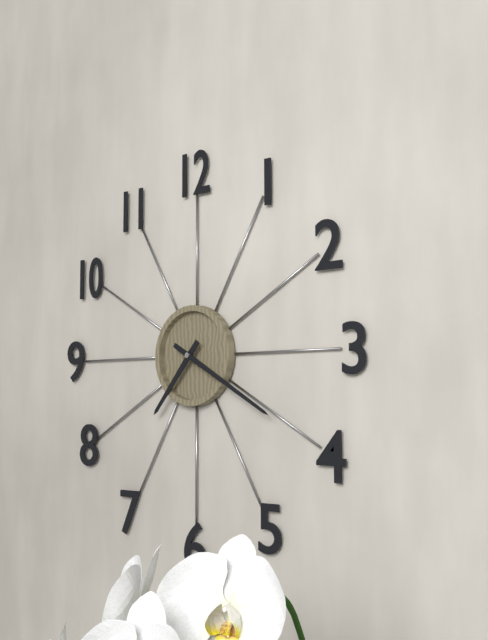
7:20
